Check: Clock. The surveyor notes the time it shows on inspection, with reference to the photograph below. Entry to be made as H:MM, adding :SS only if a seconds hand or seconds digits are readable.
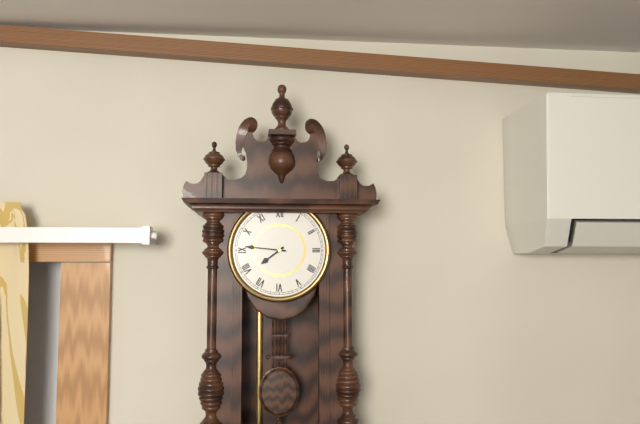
7:46
